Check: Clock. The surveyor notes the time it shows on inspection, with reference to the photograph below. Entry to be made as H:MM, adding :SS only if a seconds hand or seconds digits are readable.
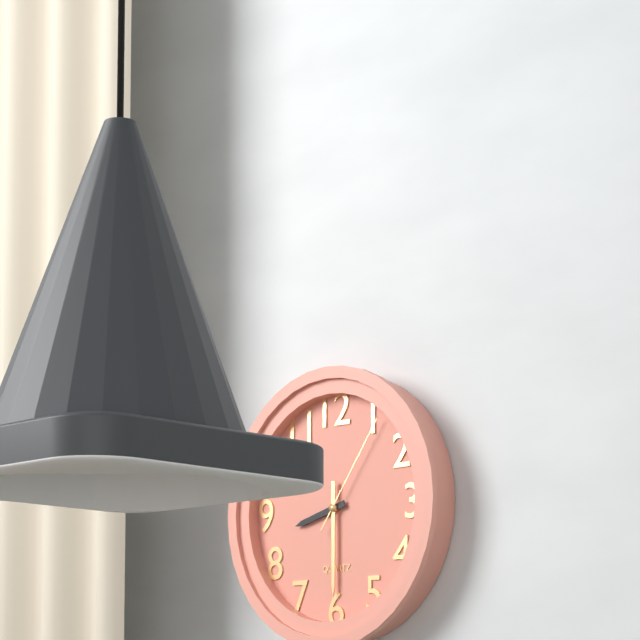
8:30:06
